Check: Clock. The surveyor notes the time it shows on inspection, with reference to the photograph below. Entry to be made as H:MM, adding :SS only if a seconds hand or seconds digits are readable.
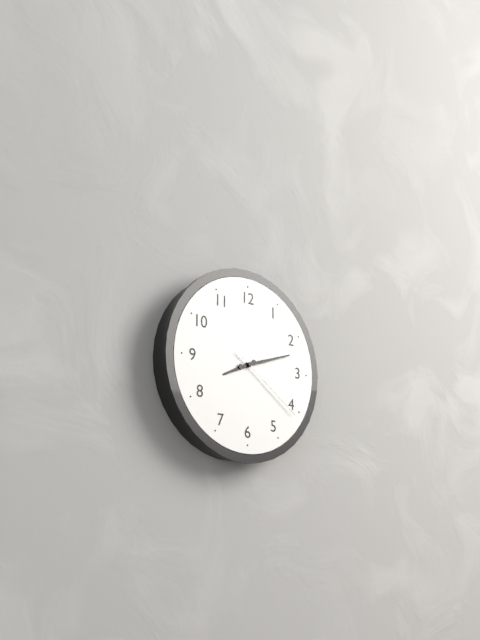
8:12:21
